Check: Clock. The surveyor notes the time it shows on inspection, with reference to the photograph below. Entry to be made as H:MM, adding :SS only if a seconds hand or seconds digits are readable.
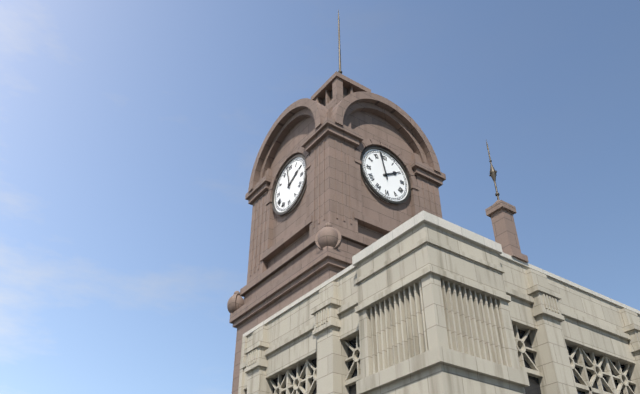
1:58
